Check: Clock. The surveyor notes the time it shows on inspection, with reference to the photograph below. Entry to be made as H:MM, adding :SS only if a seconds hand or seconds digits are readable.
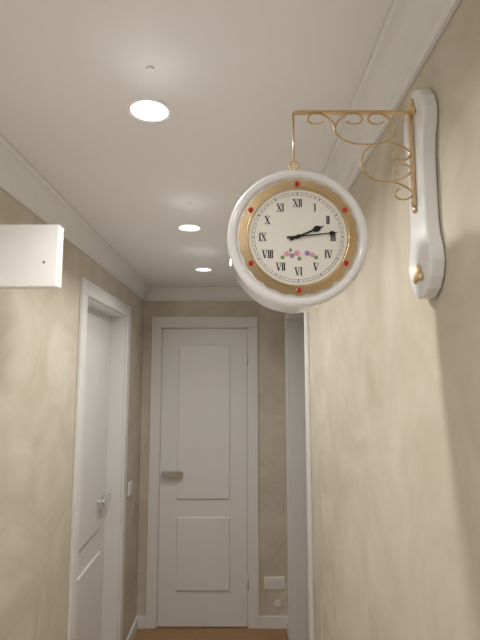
2:14
